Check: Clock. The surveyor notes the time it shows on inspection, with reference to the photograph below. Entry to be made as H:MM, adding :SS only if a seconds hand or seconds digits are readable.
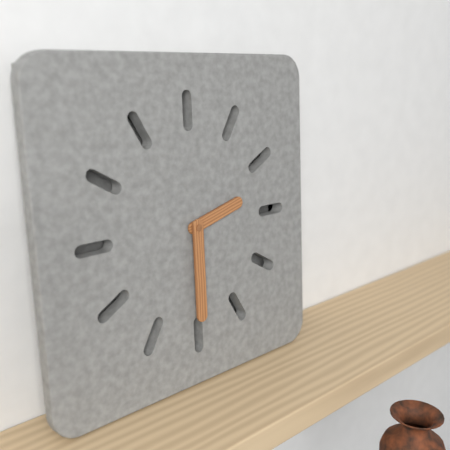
2:30
